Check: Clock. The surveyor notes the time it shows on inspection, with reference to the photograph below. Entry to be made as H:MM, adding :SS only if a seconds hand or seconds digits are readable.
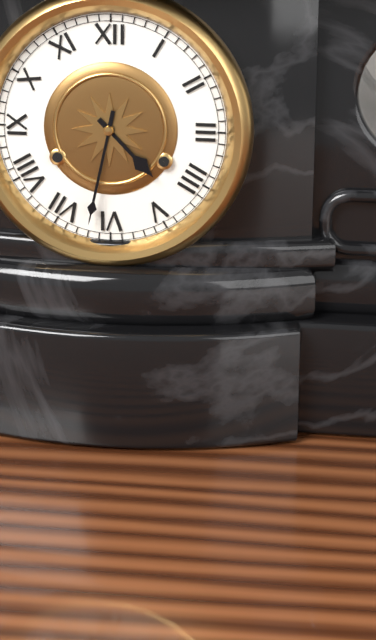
4:32
